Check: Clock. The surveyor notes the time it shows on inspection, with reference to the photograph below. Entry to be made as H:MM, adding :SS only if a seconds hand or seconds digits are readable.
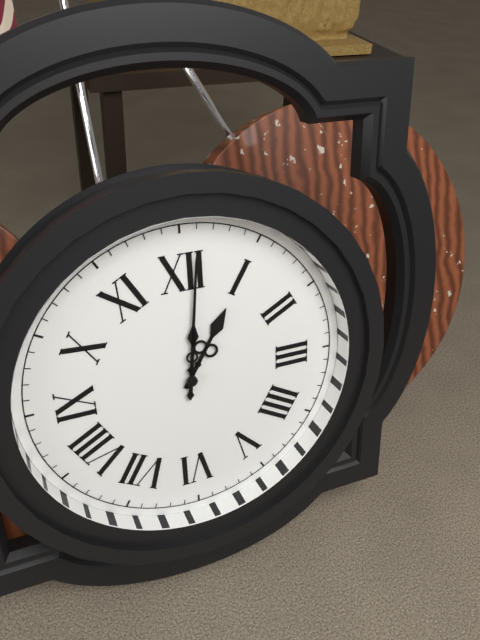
1:01
